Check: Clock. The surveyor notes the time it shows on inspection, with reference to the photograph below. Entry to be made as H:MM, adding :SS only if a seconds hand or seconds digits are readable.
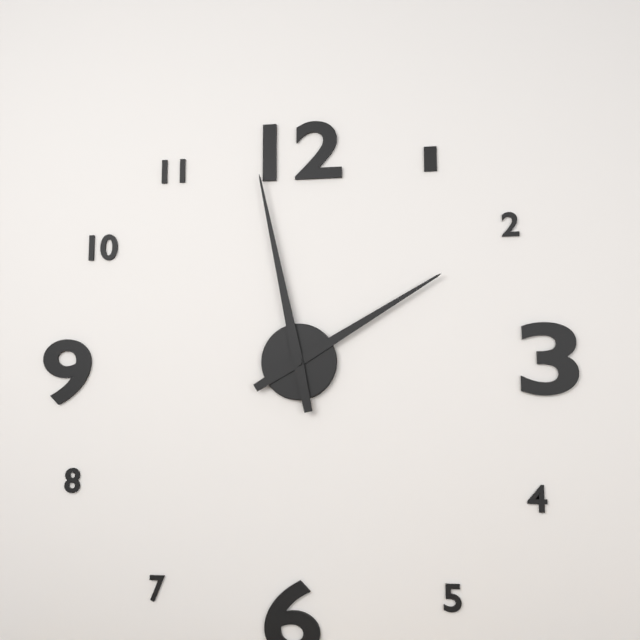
1:58
